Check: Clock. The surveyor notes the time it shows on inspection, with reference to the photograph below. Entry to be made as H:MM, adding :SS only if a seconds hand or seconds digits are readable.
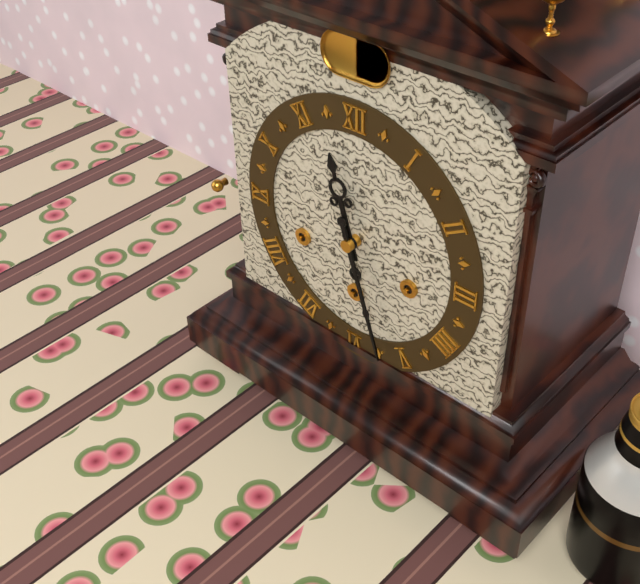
11:27
